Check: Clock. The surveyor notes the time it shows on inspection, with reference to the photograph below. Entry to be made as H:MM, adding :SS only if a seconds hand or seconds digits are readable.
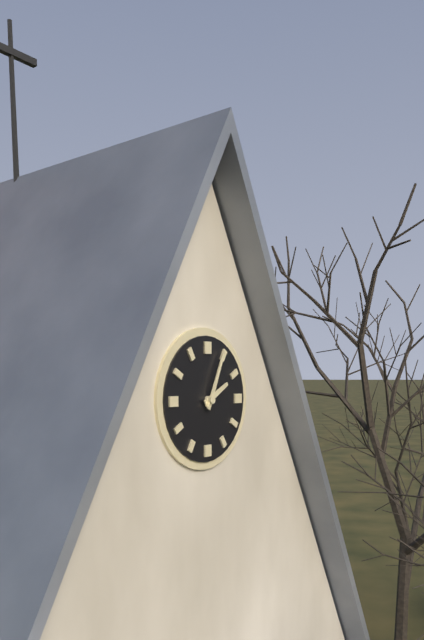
2:04
